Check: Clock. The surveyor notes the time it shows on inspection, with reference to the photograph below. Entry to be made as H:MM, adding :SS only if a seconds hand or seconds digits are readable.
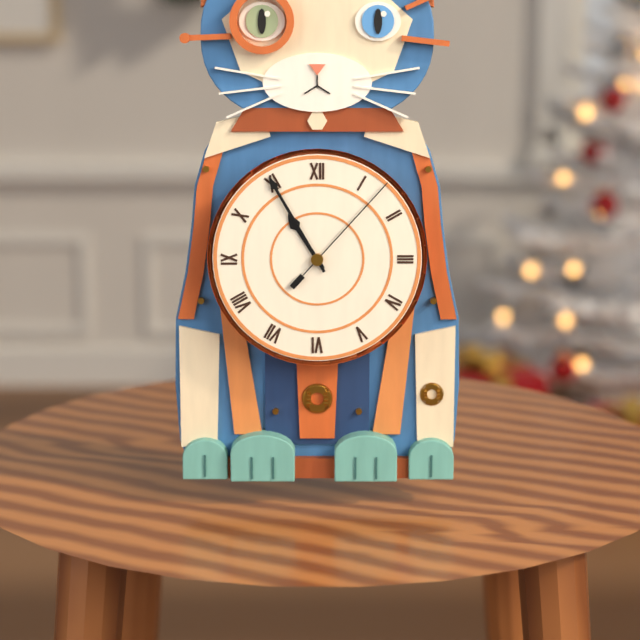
10:55:07
